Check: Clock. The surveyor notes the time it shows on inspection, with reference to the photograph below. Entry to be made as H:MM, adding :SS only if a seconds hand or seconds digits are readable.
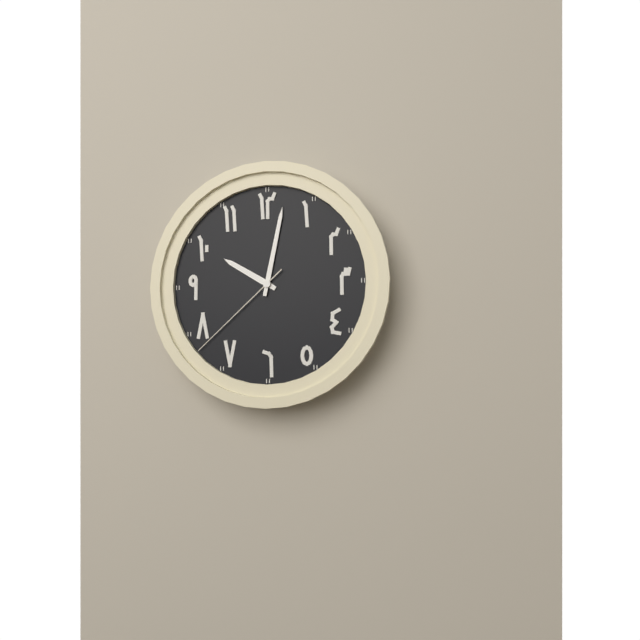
10:02:38
